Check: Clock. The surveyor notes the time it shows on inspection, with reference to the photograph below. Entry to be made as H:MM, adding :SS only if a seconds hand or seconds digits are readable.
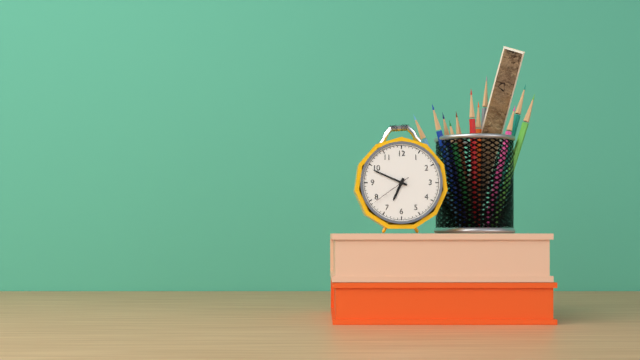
6:49
